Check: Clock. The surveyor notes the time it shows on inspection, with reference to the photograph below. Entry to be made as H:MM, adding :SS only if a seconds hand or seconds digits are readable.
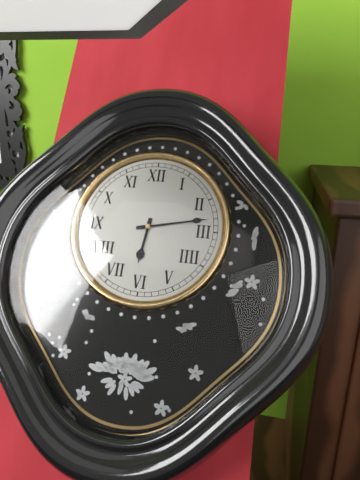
6:13
